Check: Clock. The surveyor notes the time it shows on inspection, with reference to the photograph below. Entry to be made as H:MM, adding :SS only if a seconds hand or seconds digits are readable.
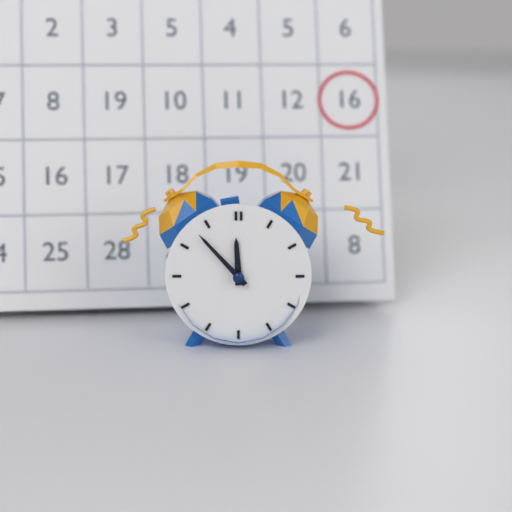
11:53
